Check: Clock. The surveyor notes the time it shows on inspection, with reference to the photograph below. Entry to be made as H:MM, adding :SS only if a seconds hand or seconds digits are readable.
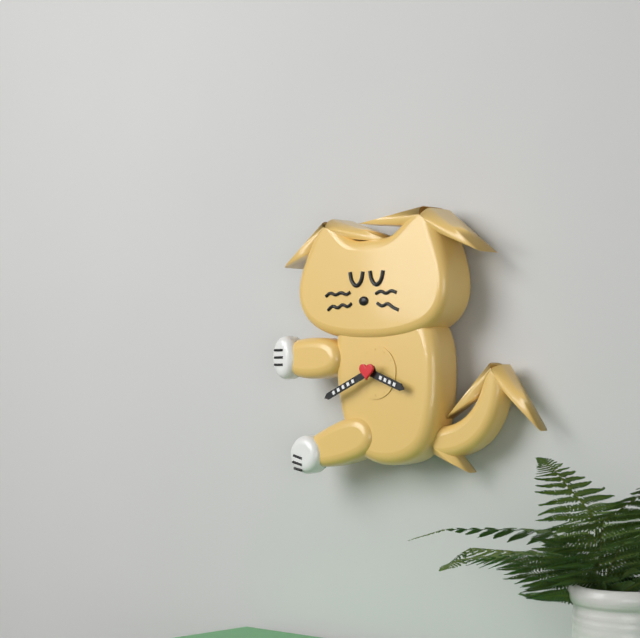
3:41
